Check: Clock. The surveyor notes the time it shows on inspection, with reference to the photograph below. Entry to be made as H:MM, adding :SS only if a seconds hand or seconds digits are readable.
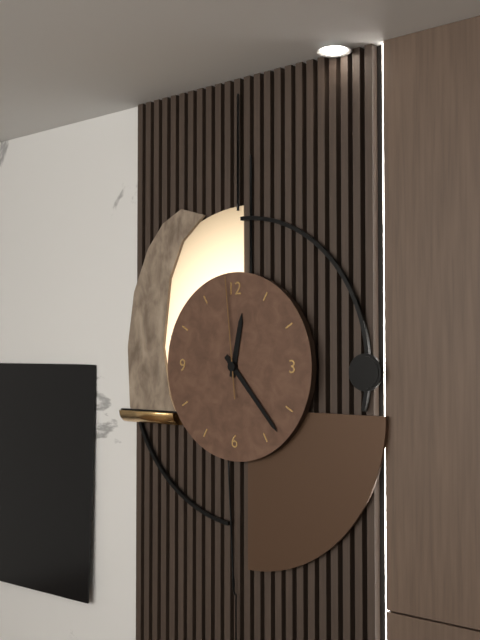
12:23:59
